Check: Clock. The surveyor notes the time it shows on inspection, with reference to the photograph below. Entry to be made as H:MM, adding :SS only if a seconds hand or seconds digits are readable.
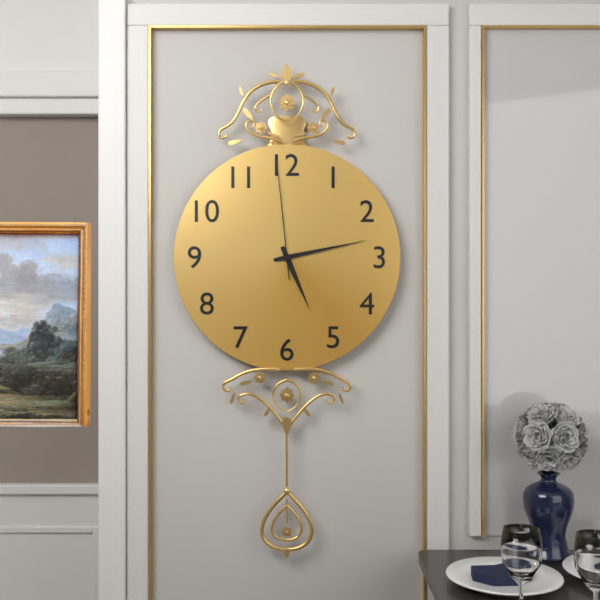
5:13:59
